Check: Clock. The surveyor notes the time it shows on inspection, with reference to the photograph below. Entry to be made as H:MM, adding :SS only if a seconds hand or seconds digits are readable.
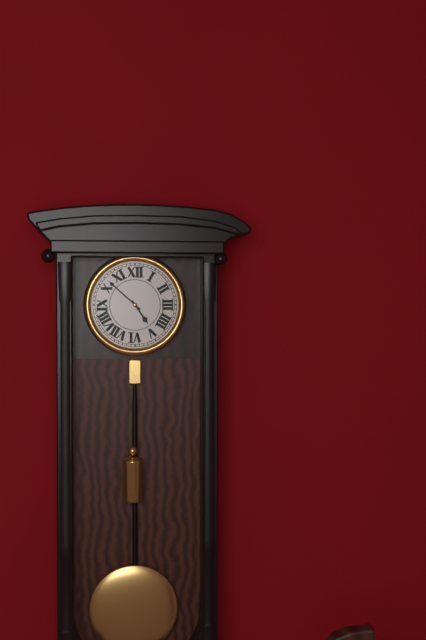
4:52
